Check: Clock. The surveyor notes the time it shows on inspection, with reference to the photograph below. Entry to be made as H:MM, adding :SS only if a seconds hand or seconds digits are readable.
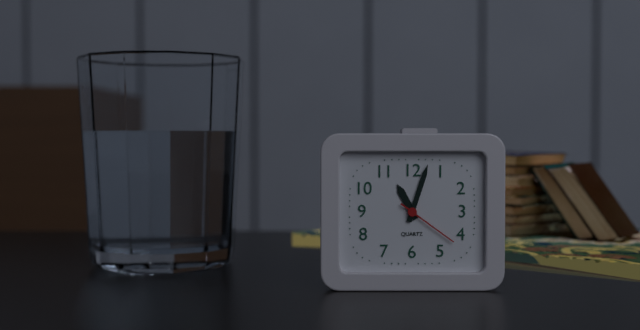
11:03:21
